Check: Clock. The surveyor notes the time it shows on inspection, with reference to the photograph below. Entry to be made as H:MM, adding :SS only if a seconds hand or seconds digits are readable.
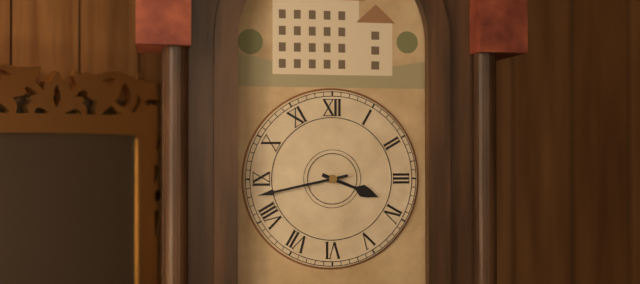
3:43
